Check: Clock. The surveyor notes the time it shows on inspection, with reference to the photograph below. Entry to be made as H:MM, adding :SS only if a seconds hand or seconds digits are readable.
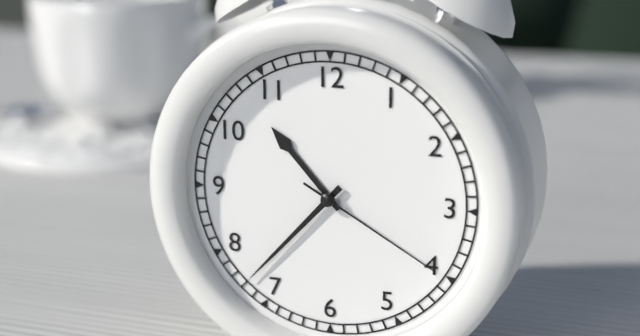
10:37:20
